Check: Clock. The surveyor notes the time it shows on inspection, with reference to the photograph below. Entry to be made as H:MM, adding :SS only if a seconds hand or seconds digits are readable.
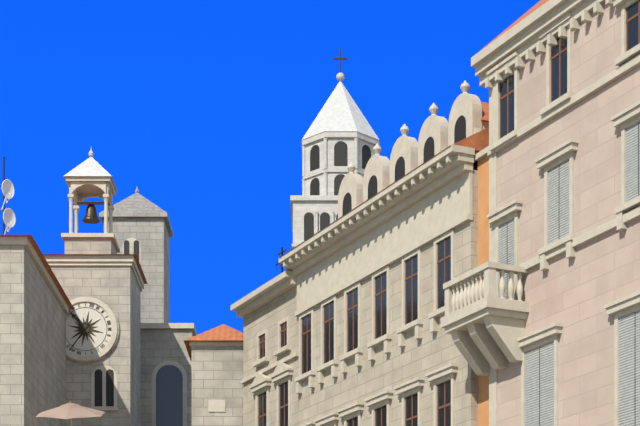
10:36
